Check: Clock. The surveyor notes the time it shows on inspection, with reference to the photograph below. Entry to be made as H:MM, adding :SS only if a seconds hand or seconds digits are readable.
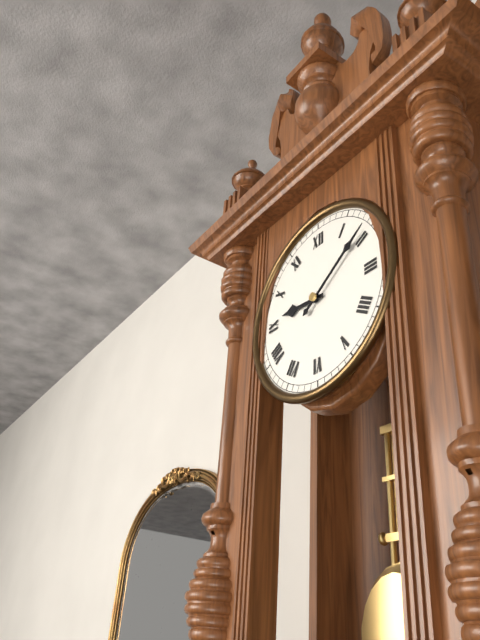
9:09
